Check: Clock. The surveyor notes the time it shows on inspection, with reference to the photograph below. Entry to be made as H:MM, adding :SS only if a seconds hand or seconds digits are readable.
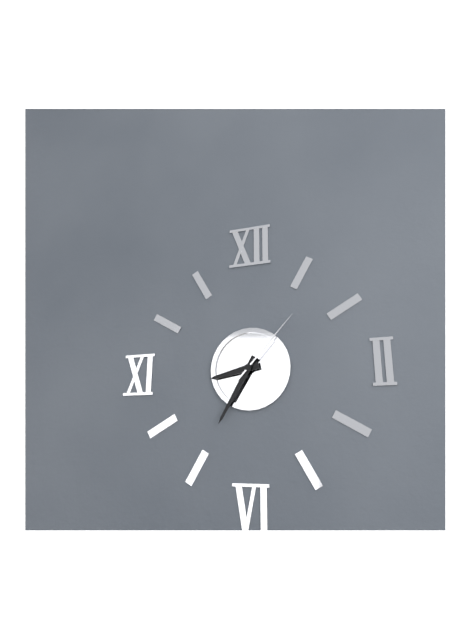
8:35:07
